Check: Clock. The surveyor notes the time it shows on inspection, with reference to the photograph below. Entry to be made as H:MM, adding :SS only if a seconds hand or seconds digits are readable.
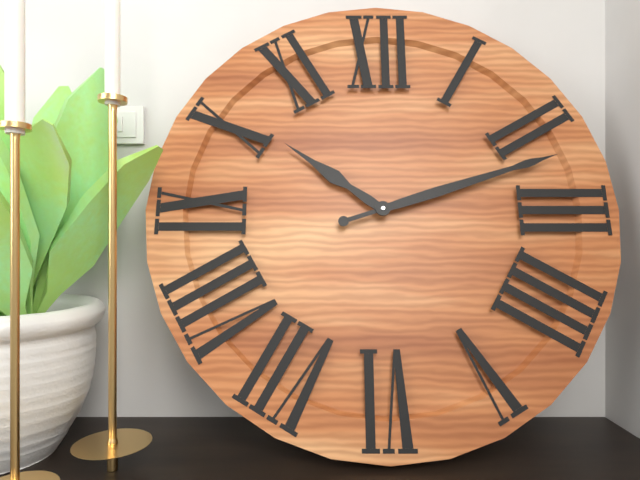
10:12
